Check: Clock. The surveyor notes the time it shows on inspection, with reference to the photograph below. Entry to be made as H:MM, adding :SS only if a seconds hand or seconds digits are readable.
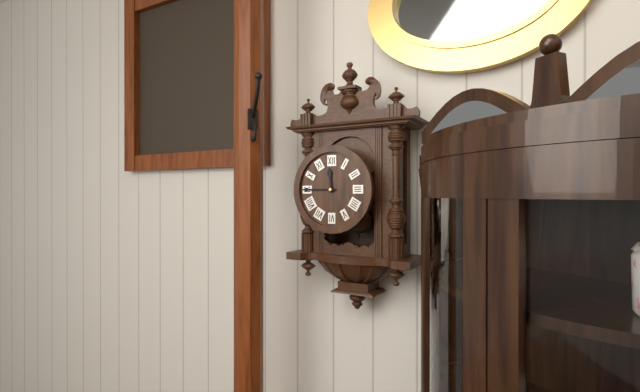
11:45
